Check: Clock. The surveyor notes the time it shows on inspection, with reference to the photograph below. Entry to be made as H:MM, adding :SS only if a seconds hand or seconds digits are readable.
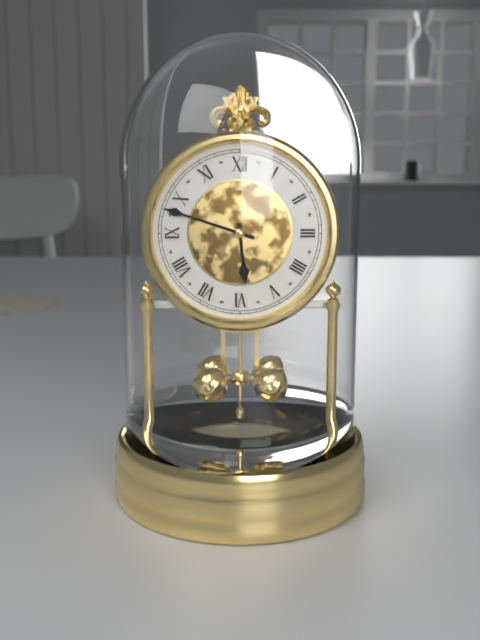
5:48
